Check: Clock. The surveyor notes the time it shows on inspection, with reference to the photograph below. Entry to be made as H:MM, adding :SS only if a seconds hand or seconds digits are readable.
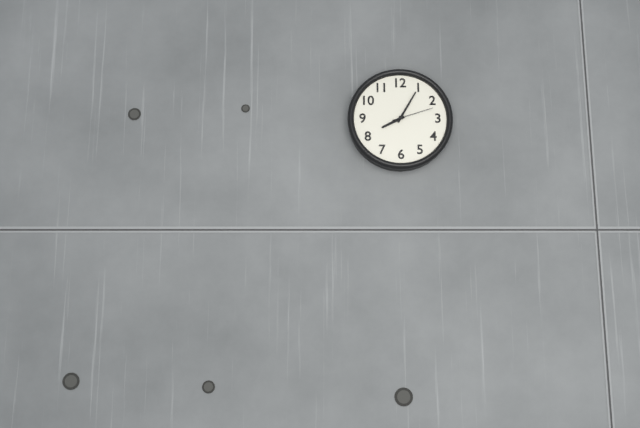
8:05
